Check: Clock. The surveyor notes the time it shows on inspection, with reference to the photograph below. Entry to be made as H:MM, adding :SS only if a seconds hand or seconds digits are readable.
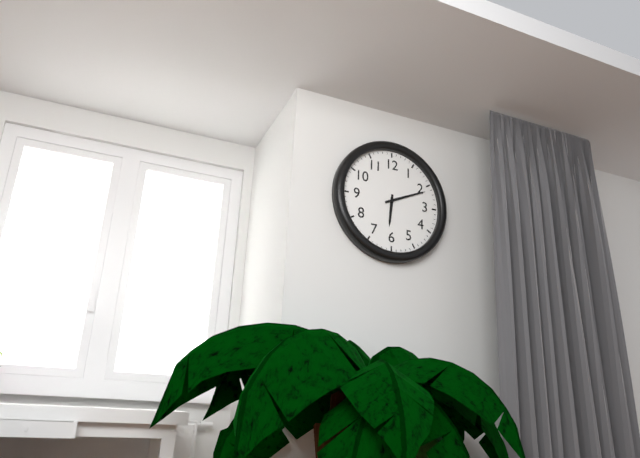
6:11
